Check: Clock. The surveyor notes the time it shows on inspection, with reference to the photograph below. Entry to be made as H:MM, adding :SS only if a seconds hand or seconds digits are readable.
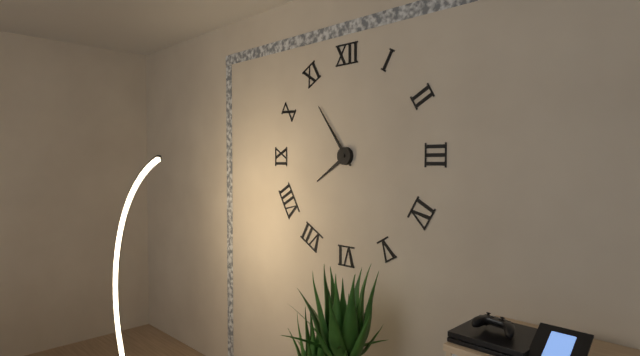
7:54
